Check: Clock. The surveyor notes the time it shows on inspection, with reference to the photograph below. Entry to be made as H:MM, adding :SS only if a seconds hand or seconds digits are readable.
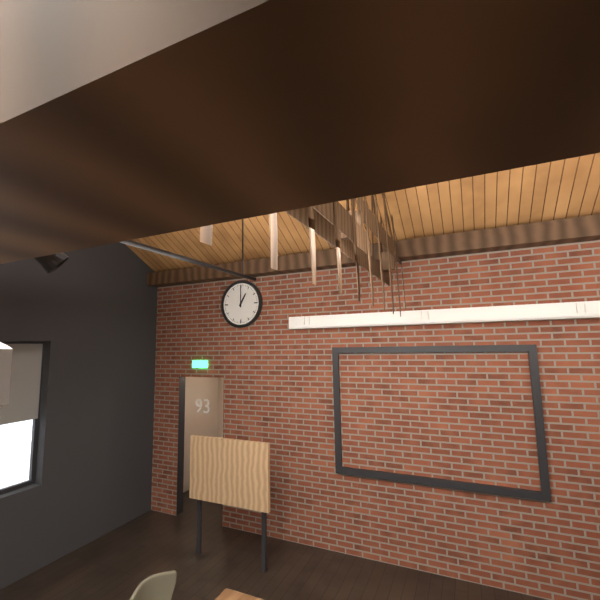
1:00
